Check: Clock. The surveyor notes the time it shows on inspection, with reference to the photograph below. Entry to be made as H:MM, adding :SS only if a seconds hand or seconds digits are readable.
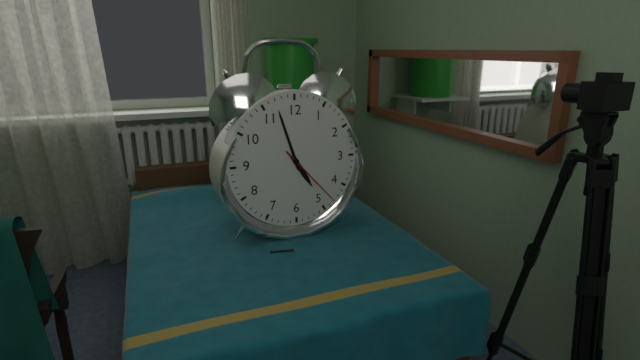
4:57:23
